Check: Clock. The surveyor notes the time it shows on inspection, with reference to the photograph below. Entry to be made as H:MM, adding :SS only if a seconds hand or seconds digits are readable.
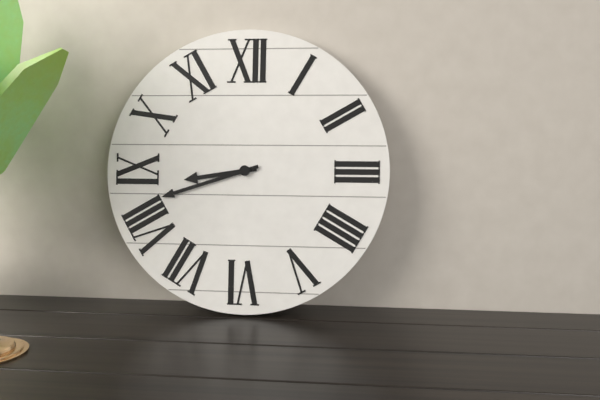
8:42
